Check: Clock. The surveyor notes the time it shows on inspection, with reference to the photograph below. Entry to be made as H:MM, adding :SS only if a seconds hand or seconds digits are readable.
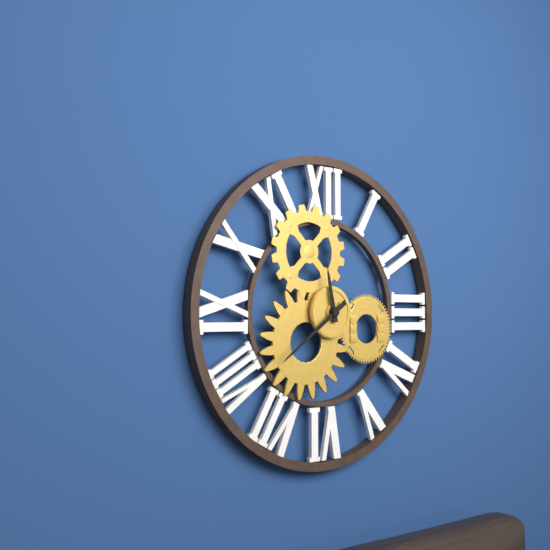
11:39
